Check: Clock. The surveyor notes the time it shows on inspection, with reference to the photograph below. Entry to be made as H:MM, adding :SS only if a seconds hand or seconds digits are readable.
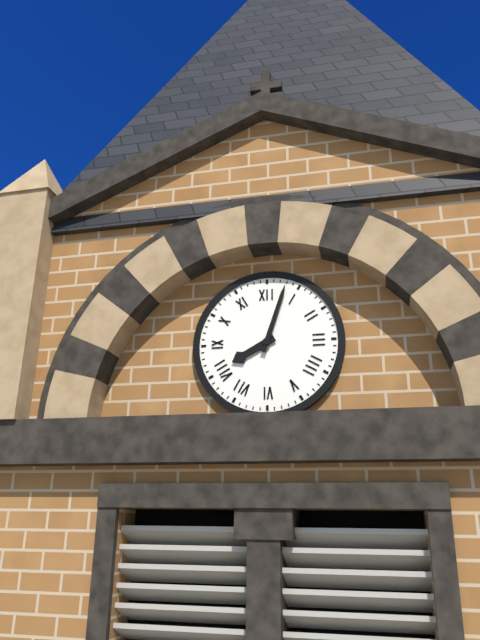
8:03
